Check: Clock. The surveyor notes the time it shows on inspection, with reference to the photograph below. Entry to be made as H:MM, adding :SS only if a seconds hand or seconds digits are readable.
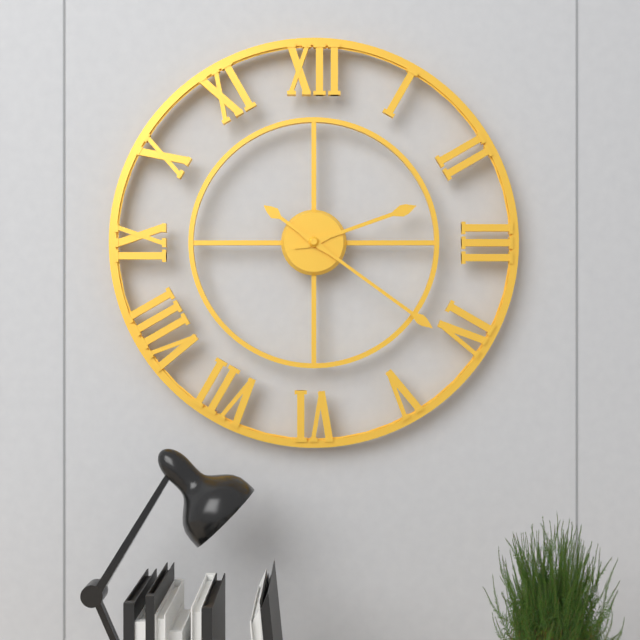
2:21
